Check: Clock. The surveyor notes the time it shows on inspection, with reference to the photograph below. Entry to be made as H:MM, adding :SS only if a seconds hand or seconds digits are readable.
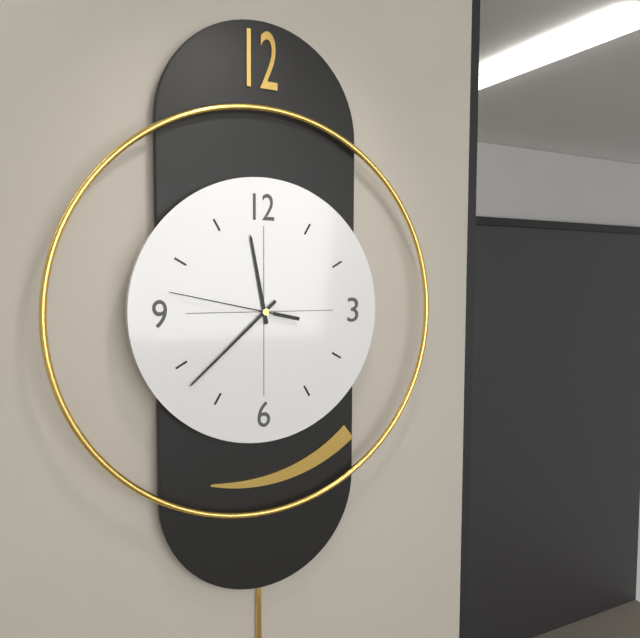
11:38:47
